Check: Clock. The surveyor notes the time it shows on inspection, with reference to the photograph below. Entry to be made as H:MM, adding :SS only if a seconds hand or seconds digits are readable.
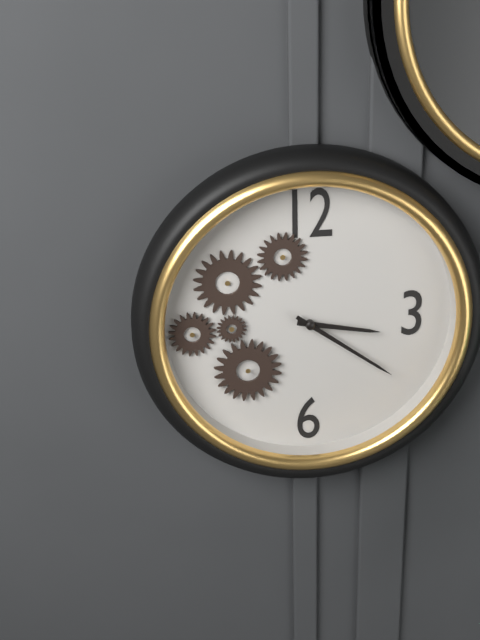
3:21
